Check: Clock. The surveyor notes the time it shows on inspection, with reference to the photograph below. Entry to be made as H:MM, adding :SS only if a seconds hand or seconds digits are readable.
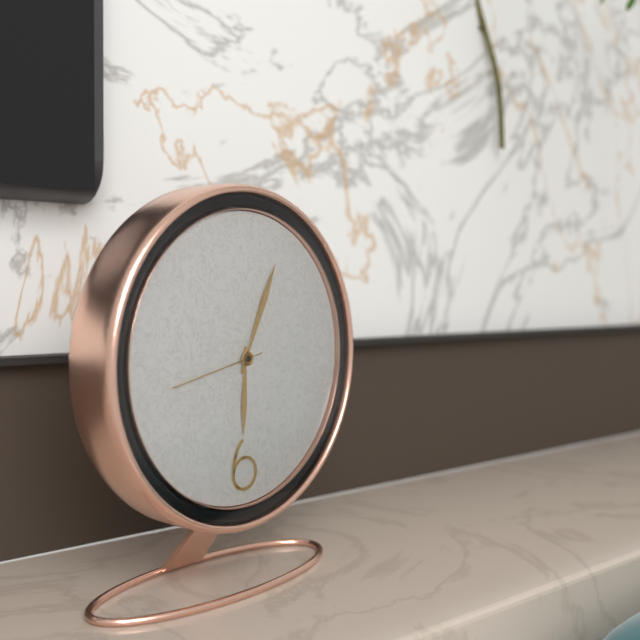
6:04:43
